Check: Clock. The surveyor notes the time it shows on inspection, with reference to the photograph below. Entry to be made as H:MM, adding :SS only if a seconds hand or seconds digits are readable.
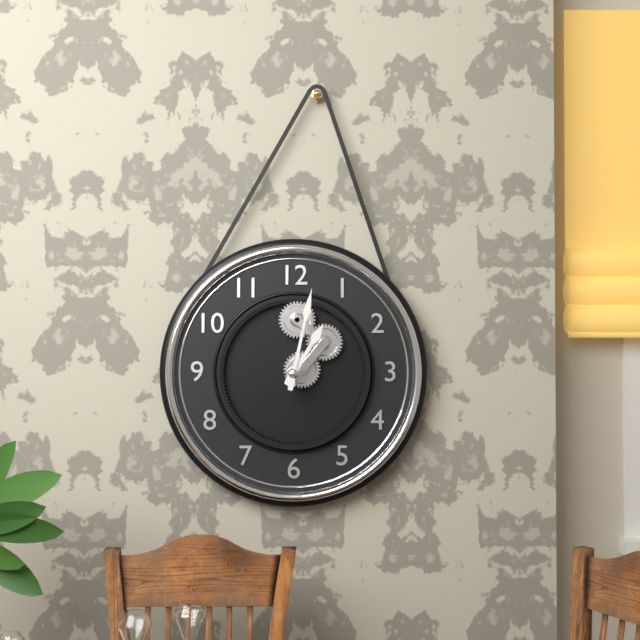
1:02
